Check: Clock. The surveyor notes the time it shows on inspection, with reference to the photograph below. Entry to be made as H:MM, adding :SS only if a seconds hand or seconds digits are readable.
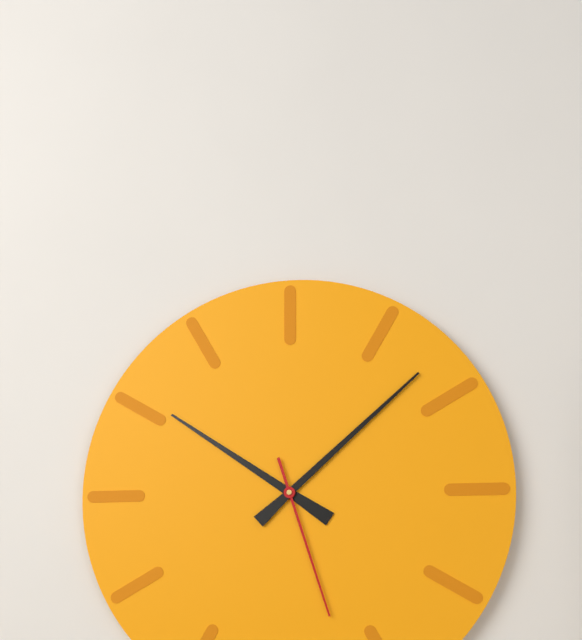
10:08:27
